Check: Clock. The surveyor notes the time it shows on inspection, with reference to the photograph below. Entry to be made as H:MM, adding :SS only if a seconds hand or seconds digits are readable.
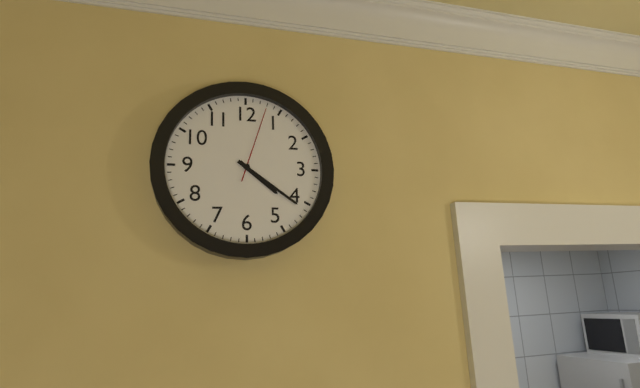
4:21:03
